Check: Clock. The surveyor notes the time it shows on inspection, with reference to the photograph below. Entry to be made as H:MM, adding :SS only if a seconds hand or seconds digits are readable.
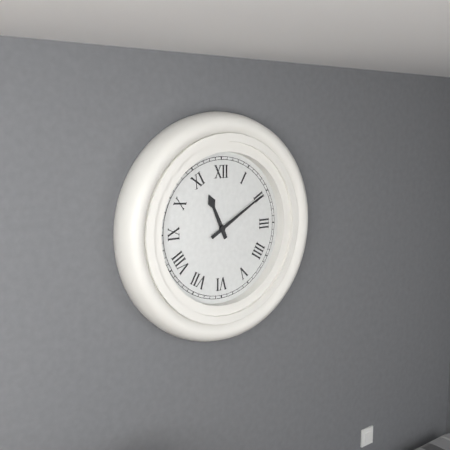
11:10
